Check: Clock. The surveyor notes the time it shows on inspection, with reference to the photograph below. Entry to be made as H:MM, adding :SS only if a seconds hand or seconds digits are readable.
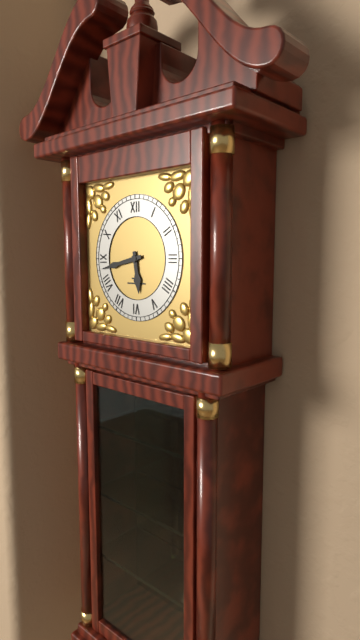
5:43
